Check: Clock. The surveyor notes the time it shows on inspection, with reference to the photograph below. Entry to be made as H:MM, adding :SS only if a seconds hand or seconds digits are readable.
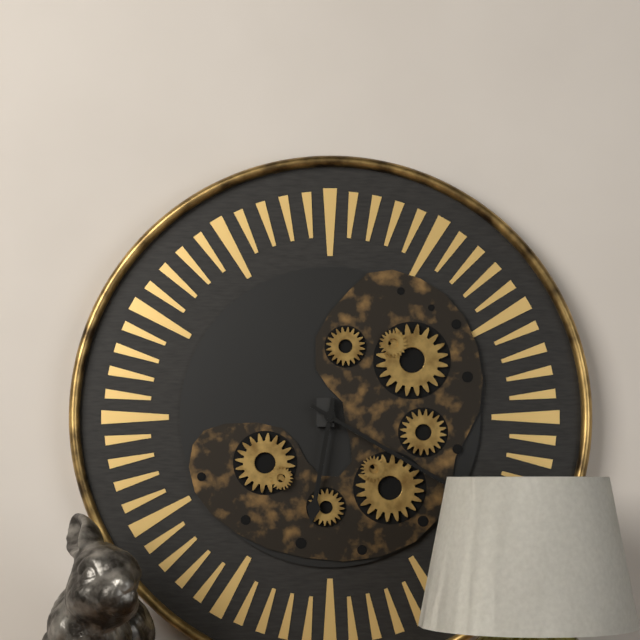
6:20
